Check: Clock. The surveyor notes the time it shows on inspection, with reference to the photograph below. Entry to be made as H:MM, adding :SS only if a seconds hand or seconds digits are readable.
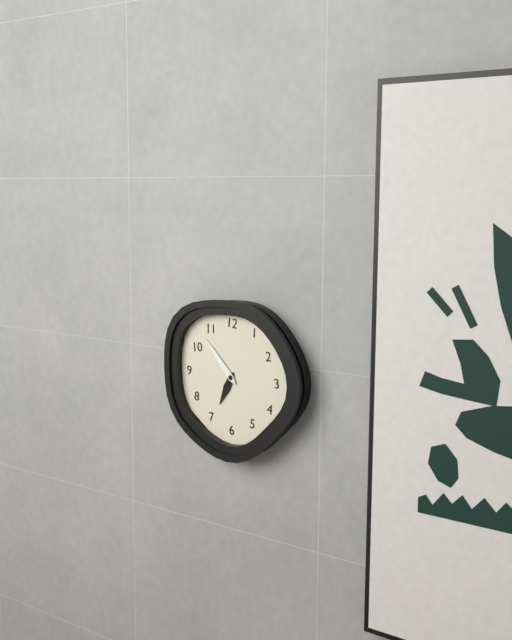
6:53
